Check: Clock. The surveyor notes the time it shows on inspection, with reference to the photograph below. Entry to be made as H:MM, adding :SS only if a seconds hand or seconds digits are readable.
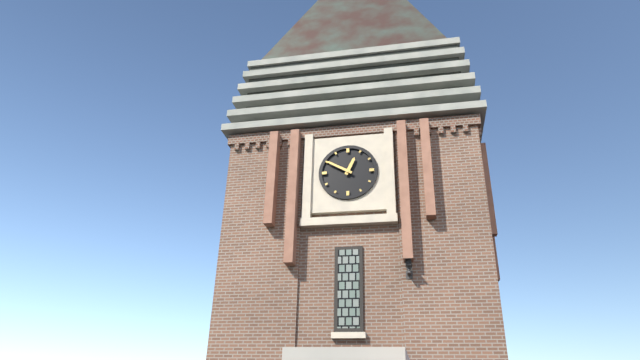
12:50
